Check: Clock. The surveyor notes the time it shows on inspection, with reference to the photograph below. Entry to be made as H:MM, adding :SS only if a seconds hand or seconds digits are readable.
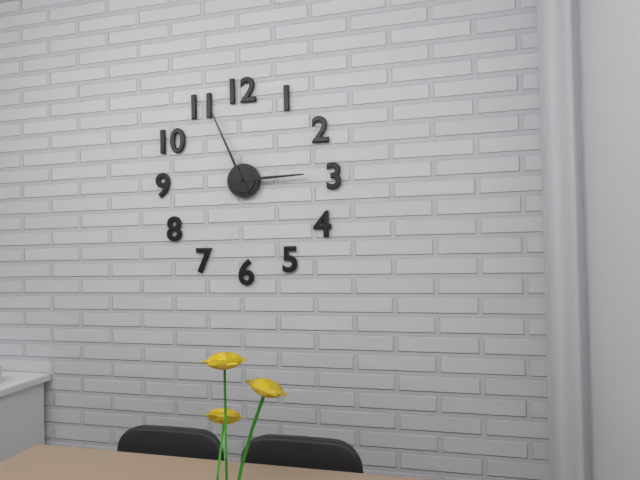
2:56
